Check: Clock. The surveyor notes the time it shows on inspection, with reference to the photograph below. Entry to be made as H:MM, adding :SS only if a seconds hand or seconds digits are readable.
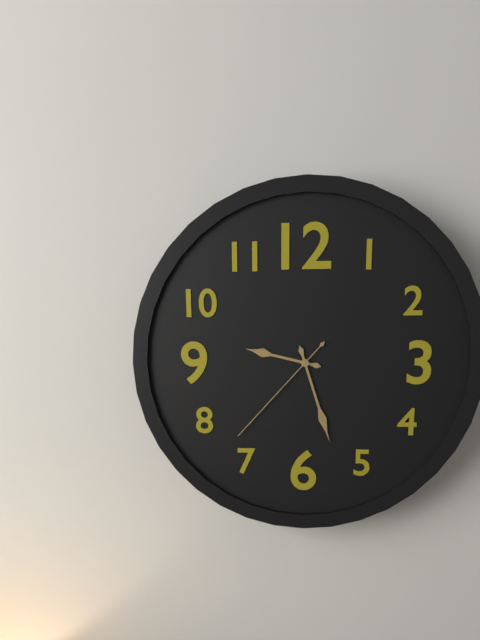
9:27:37
